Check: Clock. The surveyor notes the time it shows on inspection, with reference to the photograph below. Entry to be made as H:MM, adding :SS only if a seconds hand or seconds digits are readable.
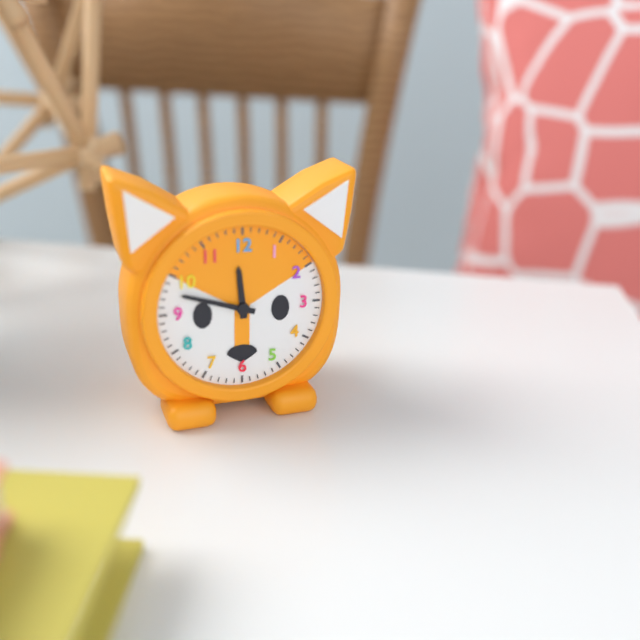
11:48
